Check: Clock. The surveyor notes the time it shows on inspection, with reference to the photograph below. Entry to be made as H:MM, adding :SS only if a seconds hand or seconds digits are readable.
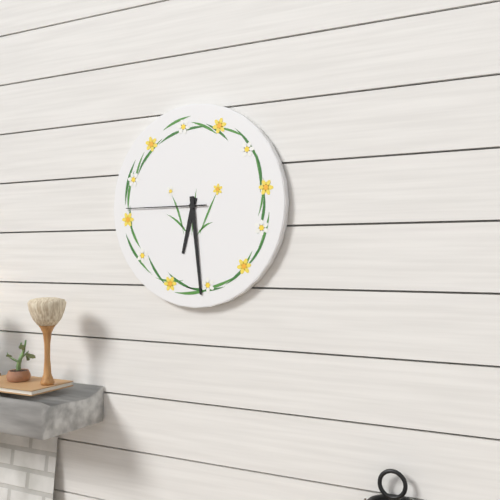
6:29:45
